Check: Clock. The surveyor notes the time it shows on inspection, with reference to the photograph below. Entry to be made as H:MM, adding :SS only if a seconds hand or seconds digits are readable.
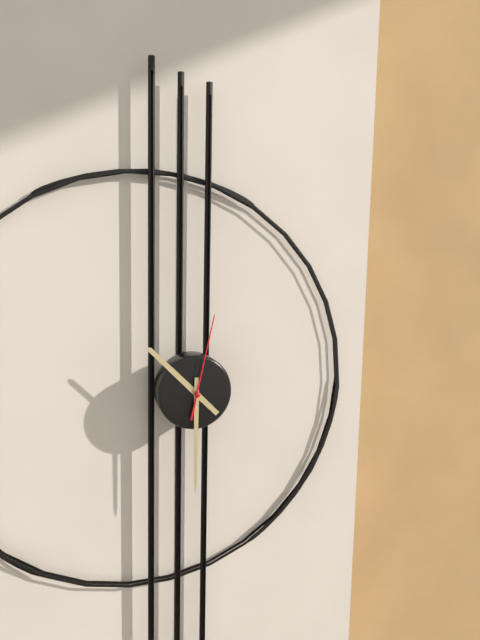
10:30:02
